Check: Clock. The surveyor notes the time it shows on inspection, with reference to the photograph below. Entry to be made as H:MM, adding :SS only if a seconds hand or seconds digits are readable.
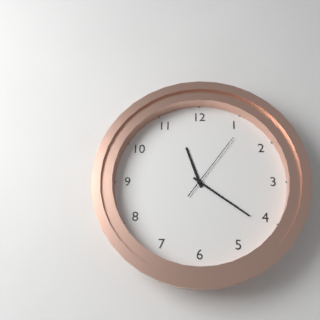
11:21:06
